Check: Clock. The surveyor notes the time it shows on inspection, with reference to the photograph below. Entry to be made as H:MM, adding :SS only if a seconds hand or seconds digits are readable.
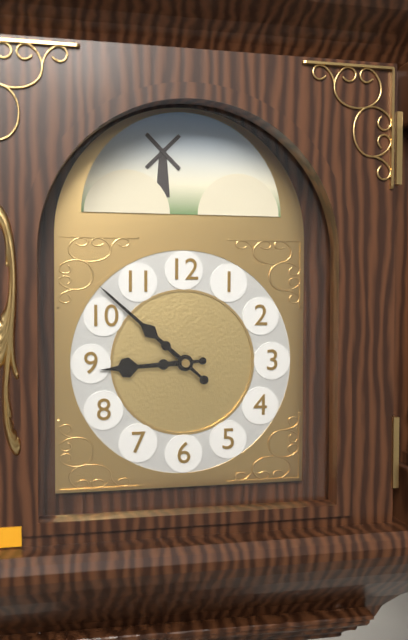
8:52
